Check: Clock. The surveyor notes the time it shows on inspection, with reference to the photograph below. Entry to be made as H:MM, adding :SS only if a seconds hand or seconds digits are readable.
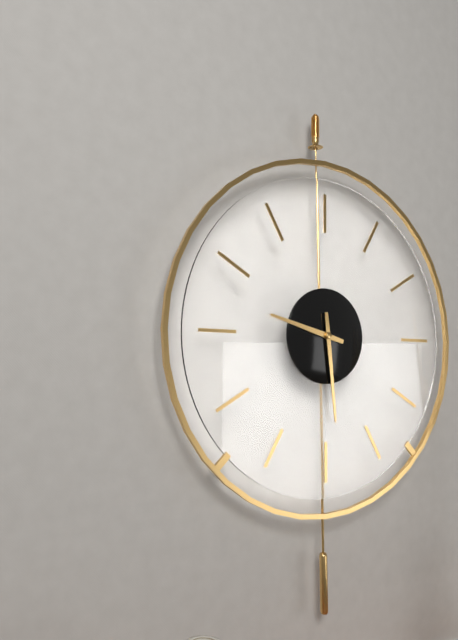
9:29
